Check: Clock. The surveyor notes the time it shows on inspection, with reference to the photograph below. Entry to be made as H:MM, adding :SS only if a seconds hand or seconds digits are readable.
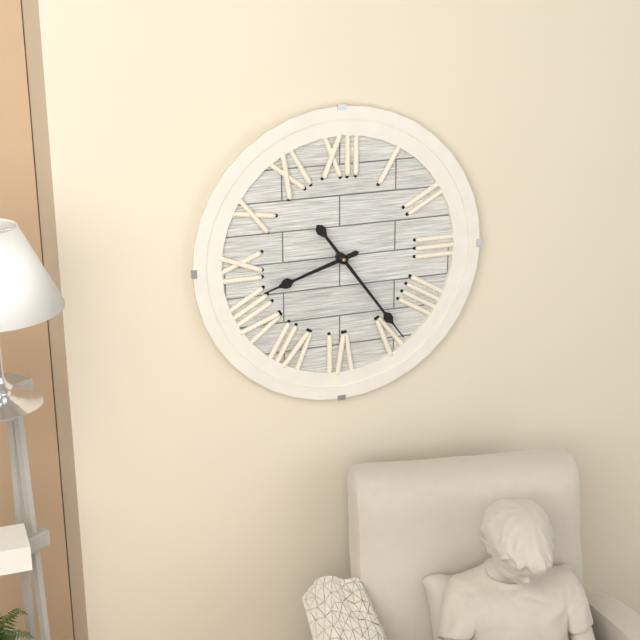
8:24
